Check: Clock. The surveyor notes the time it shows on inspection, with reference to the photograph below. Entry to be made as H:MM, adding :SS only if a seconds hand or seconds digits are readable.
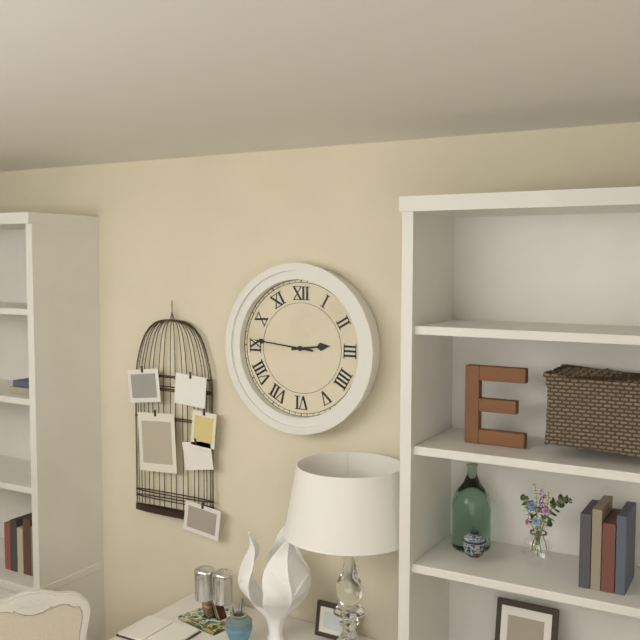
2:46
